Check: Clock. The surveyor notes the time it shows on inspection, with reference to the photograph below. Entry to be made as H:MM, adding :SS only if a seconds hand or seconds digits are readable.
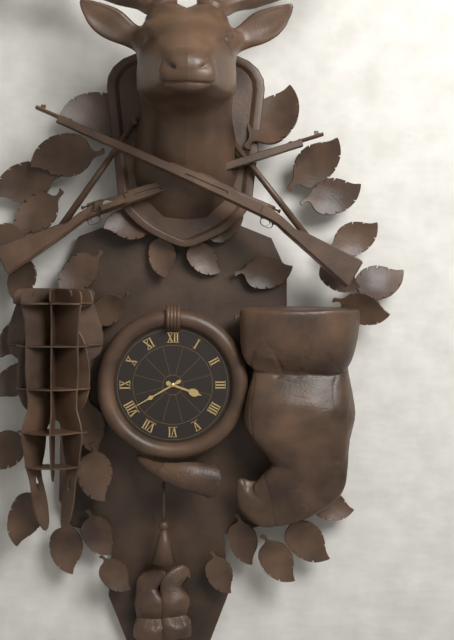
3:40
